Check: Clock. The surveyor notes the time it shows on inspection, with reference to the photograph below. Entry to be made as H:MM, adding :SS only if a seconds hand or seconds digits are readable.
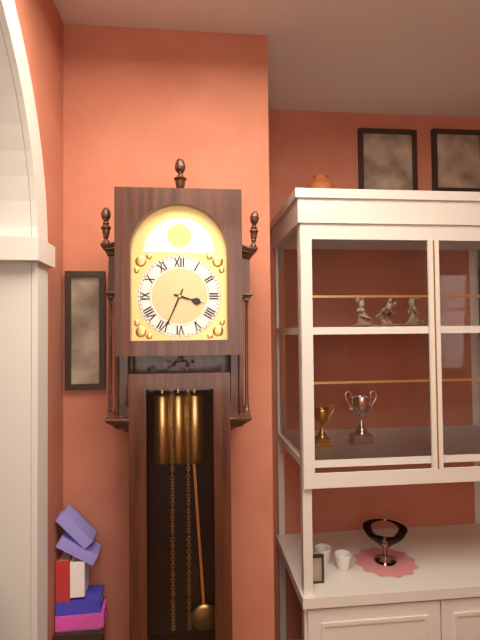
3:34
